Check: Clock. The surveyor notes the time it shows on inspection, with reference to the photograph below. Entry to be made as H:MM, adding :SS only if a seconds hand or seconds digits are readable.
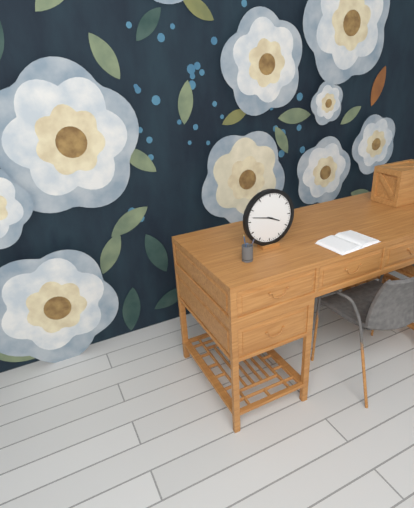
3:47
